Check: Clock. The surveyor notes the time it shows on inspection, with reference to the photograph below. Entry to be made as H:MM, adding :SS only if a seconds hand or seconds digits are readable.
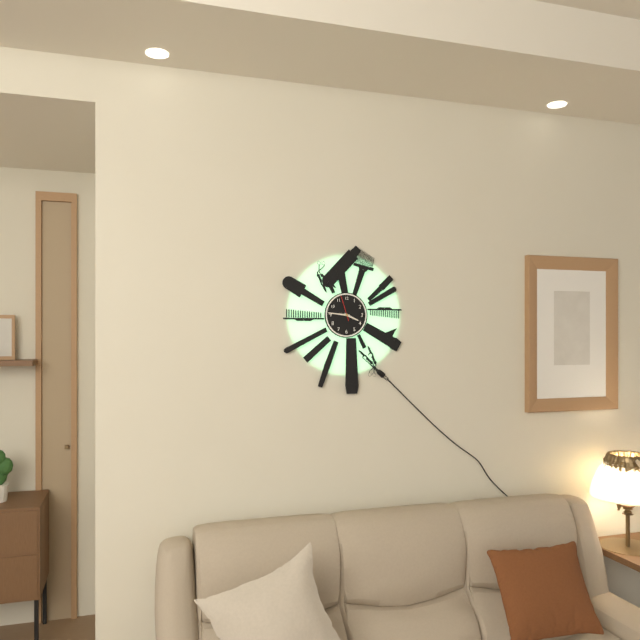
3:46
